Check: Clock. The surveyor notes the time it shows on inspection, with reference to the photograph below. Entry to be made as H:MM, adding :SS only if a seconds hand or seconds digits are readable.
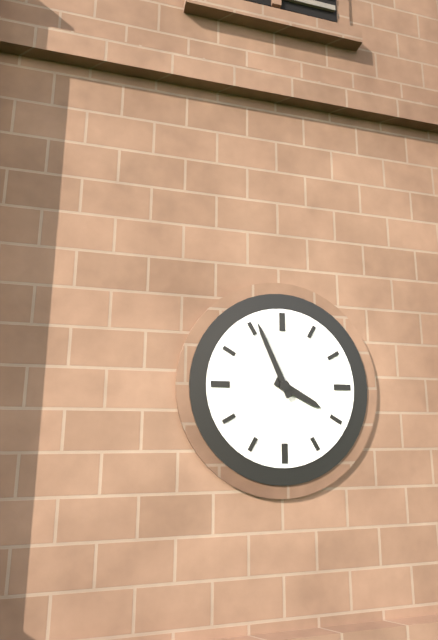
3:56
